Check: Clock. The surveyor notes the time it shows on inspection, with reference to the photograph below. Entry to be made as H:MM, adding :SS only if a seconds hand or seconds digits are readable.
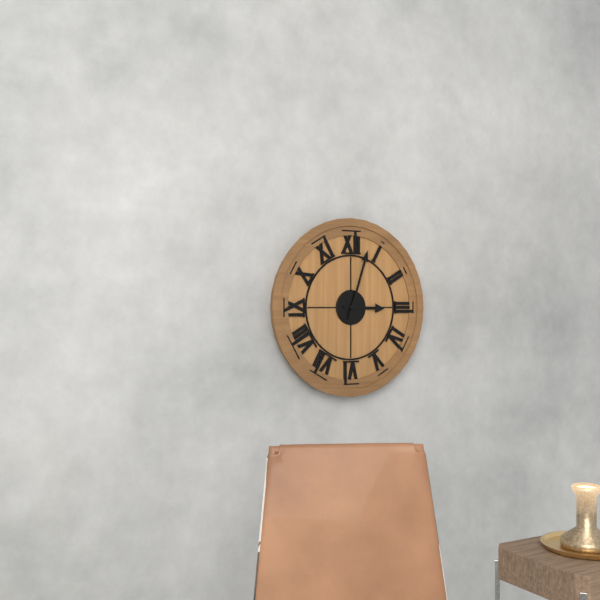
3:03
